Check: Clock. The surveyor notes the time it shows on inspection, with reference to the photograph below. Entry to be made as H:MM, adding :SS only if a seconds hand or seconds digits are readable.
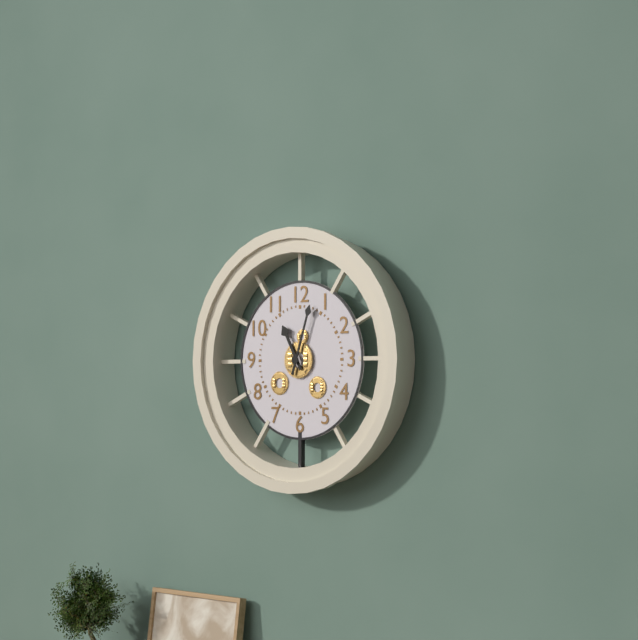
11:03
